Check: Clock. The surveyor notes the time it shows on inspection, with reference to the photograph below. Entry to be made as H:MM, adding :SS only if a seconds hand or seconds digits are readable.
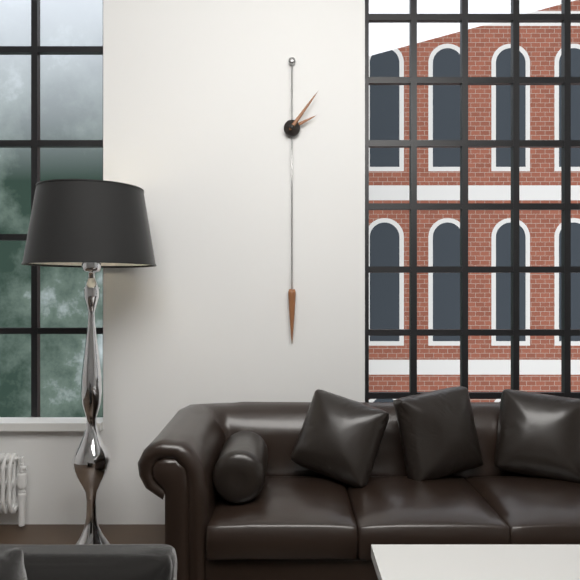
2:06
